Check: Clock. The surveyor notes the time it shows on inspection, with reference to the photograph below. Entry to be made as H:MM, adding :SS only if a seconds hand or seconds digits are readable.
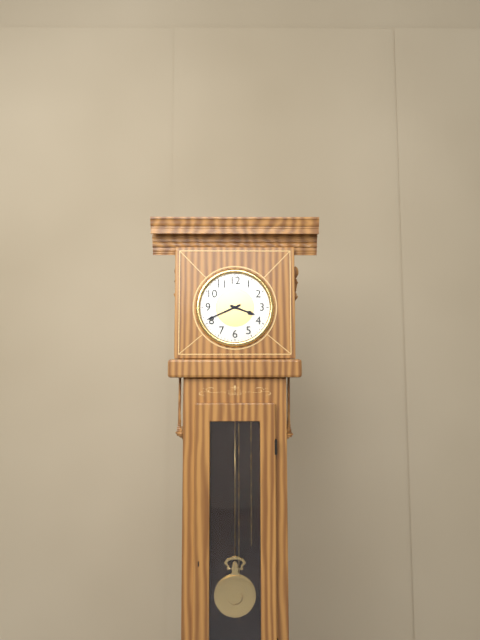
3:41
